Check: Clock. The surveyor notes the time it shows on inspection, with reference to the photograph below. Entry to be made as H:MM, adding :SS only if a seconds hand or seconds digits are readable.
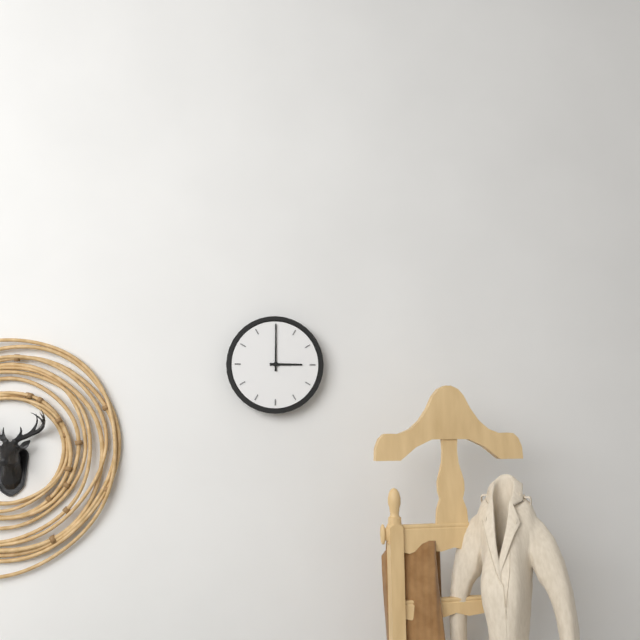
3:00
